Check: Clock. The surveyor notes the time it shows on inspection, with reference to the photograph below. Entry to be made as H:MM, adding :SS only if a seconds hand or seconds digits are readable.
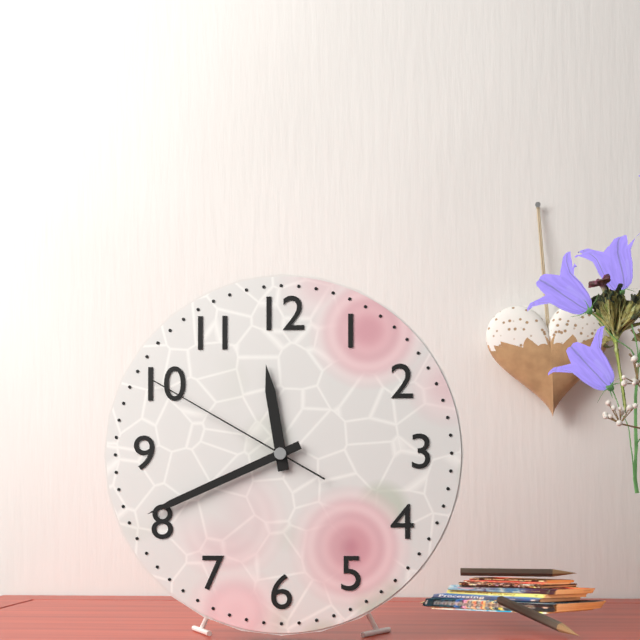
11:41:50
